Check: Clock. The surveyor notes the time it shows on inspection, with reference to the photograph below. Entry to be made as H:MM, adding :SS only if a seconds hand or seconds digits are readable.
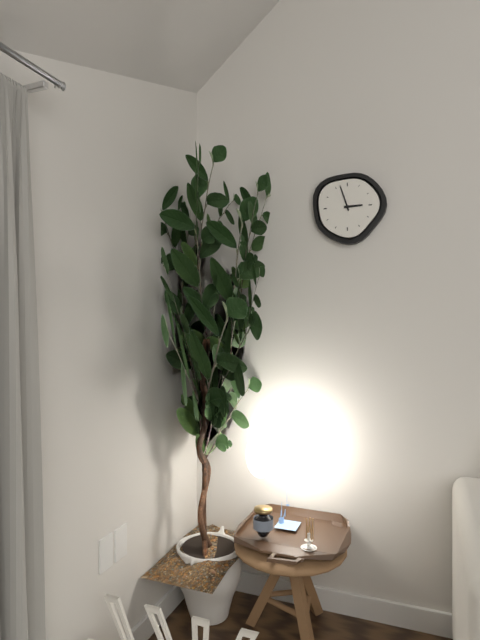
2:57
